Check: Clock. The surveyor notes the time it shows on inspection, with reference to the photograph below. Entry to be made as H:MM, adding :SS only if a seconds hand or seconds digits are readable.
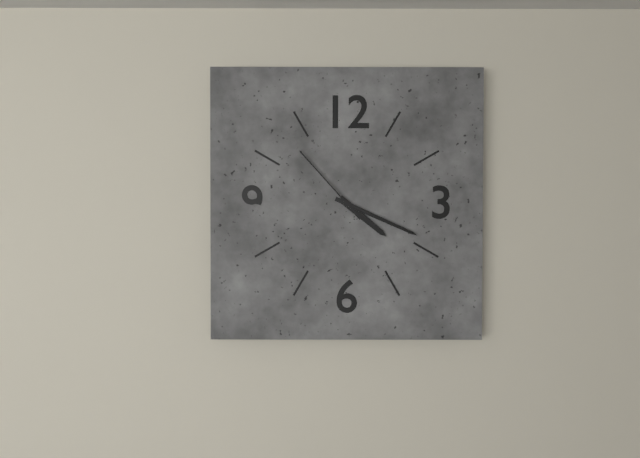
4:19:53
